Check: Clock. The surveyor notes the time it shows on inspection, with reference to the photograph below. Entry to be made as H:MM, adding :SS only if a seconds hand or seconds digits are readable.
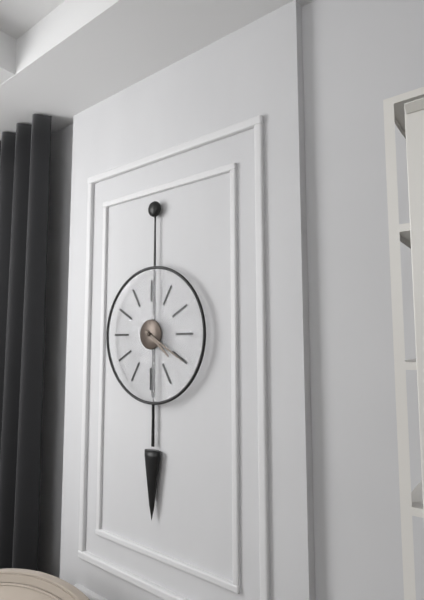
4:20
